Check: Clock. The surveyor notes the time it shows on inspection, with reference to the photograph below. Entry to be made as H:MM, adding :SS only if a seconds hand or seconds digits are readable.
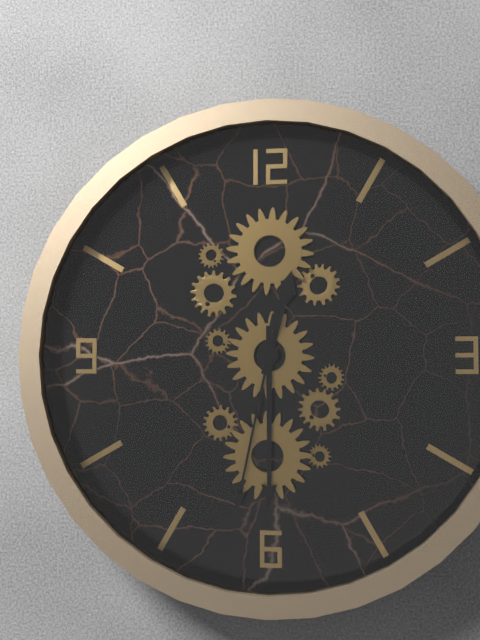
12:30:32
